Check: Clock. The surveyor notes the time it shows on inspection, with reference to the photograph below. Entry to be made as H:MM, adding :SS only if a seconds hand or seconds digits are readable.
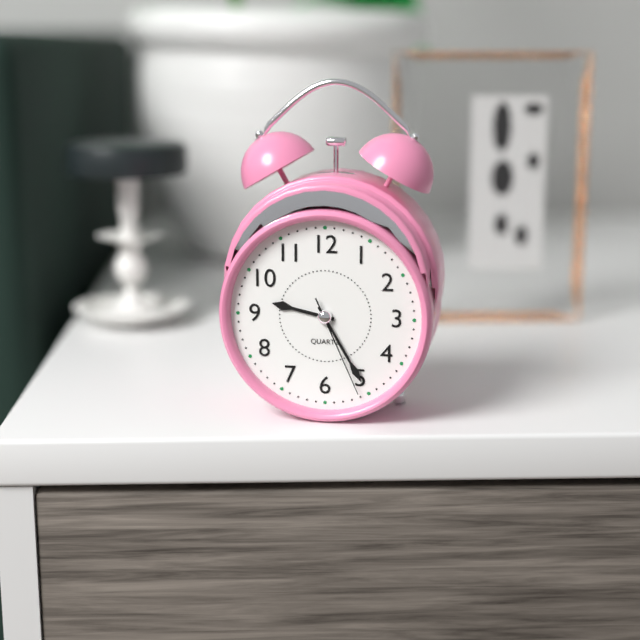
9:25:26
